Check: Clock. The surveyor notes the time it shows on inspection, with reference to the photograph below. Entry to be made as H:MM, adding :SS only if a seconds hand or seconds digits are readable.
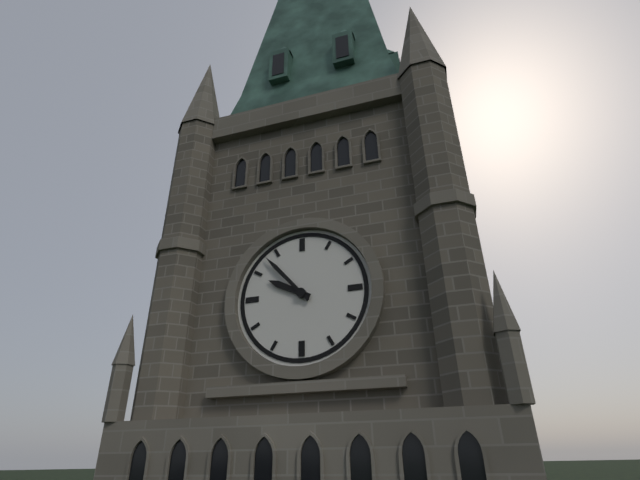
9:53
